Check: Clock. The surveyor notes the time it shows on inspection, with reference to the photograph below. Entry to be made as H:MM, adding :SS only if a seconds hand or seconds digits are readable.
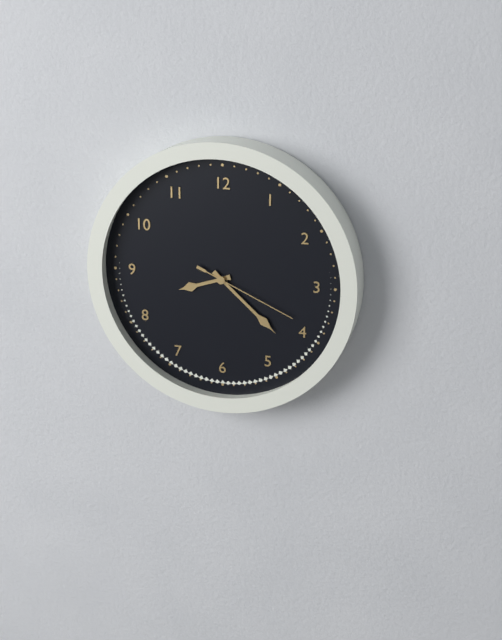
8:22:19
